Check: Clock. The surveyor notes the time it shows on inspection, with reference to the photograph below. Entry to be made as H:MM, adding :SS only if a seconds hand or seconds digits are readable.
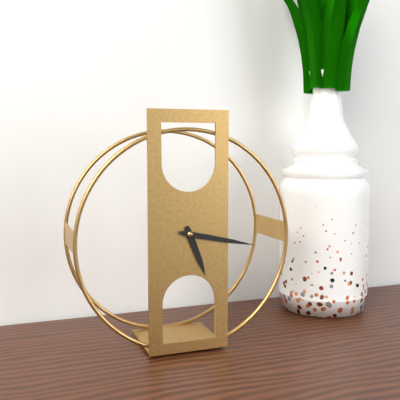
5:17
